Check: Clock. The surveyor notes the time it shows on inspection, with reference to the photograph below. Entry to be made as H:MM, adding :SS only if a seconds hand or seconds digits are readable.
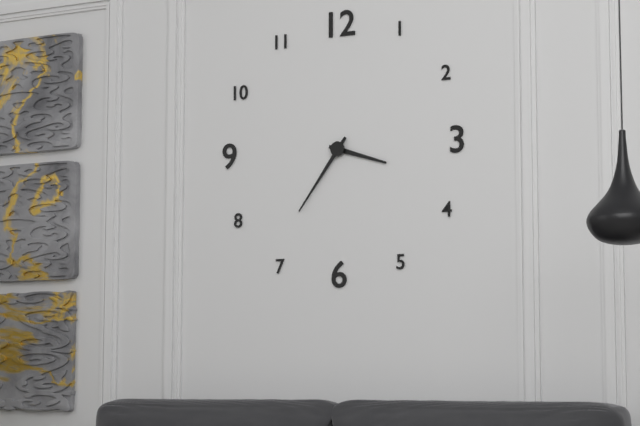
3:36
